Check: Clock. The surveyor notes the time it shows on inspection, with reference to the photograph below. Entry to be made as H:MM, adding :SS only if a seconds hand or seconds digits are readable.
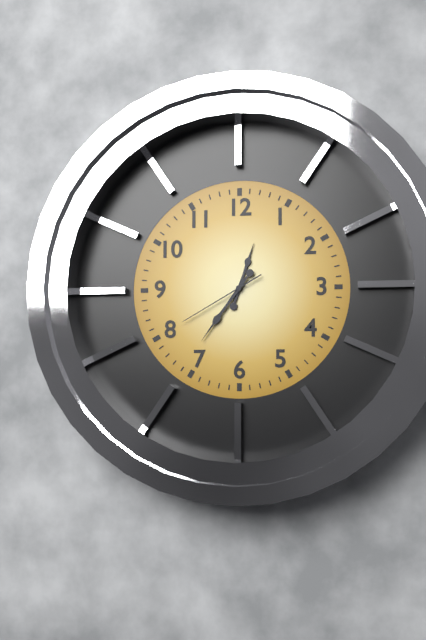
12:36:40
